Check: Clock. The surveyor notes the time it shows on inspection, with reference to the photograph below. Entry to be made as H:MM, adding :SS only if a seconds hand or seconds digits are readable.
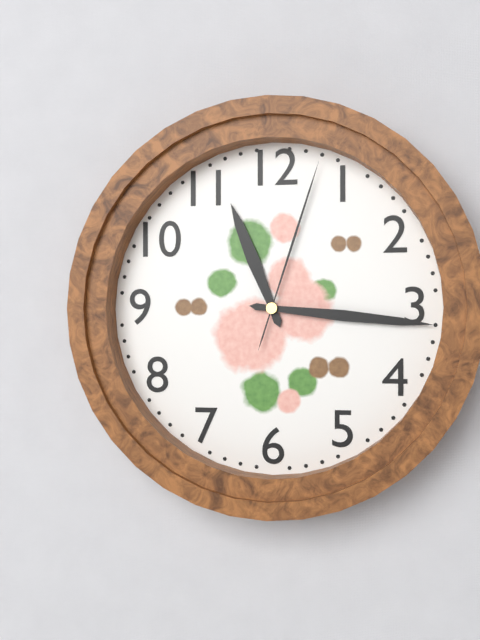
11:16:03
